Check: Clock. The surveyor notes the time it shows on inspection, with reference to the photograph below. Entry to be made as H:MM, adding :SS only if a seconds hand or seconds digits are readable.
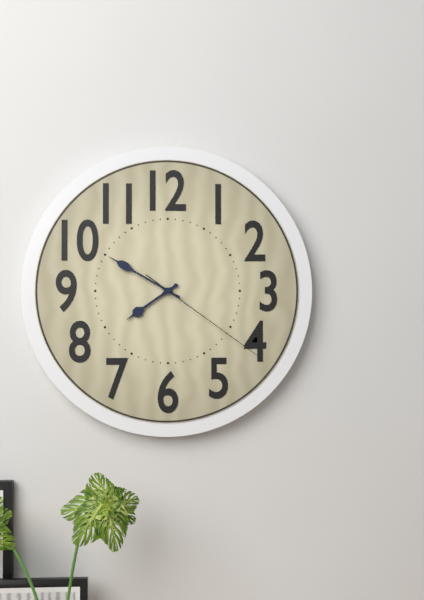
7:50:21
